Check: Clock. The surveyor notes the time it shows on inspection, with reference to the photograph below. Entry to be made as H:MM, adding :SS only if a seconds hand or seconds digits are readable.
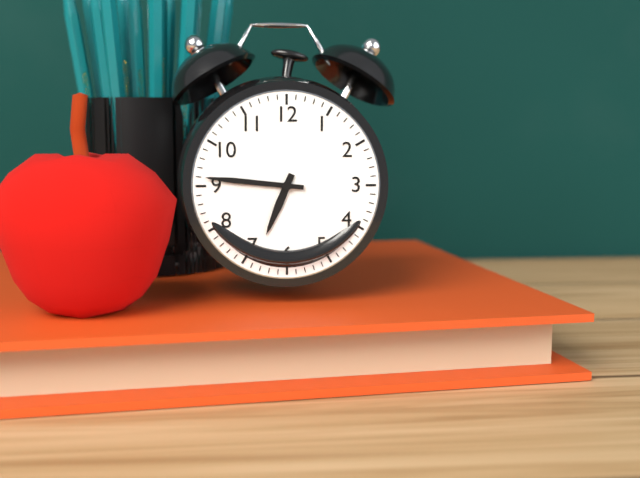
6:46
